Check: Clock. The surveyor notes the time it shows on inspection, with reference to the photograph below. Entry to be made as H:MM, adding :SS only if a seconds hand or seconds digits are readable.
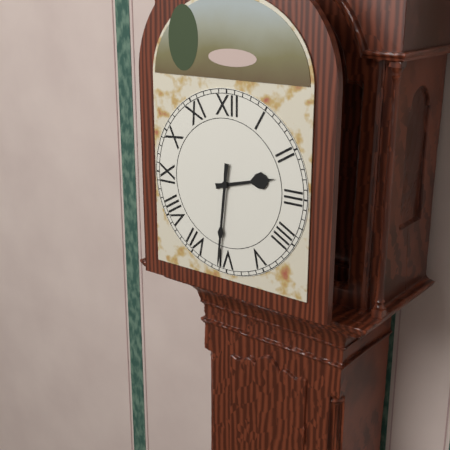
2:31
